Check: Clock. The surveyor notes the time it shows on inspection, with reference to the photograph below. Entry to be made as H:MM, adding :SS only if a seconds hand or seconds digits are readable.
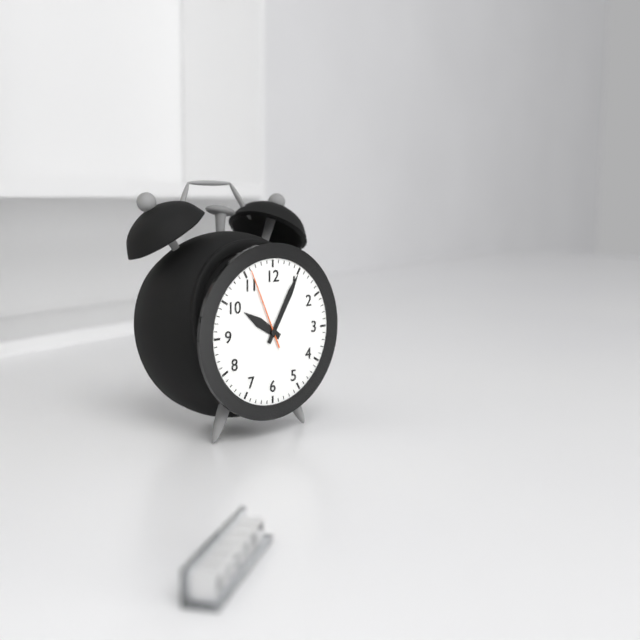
10:05:56
